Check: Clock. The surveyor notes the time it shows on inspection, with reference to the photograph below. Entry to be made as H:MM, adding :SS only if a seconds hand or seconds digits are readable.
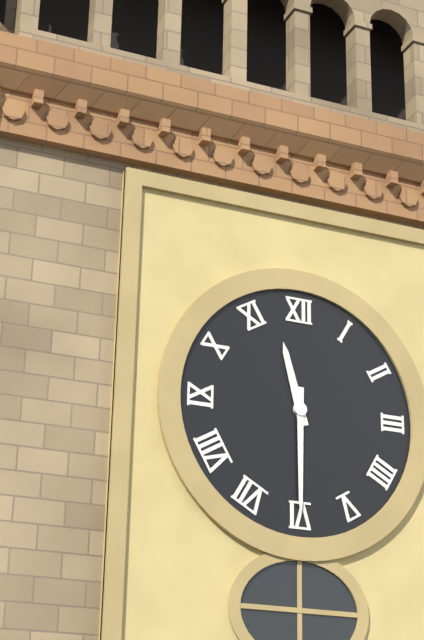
11:30
